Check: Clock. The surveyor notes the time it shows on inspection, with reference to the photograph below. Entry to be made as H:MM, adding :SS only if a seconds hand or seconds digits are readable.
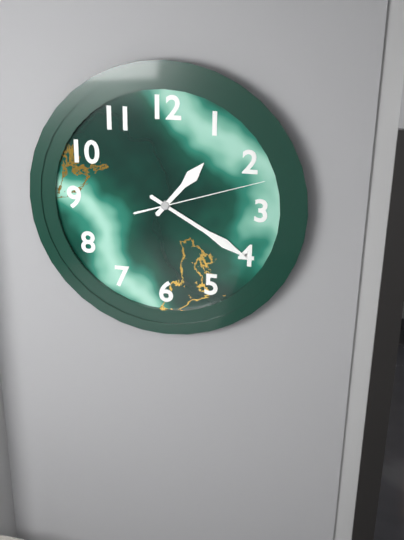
1:20:12
